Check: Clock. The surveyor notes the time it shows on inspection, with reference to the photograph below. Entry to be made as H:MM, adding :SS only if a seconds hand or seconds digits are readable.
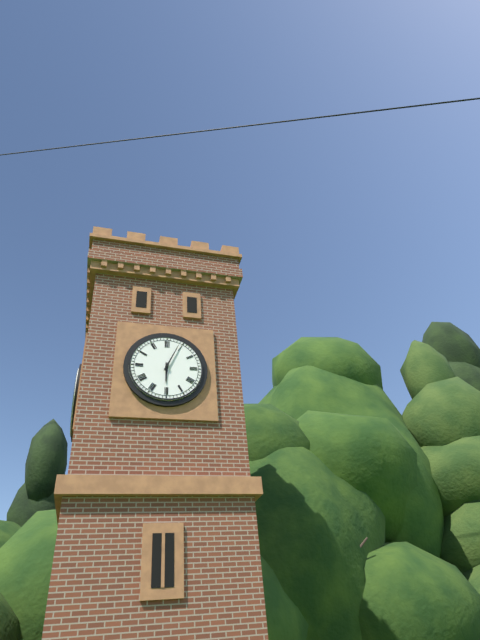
6:04
